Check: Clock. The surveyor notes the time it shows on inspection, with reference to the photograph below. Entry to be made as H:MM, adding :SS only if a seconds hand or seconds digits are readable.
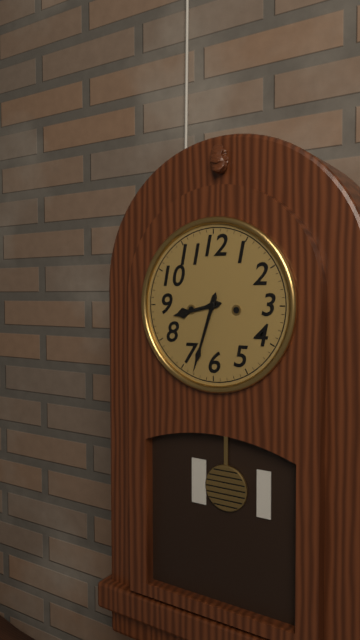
8:33
